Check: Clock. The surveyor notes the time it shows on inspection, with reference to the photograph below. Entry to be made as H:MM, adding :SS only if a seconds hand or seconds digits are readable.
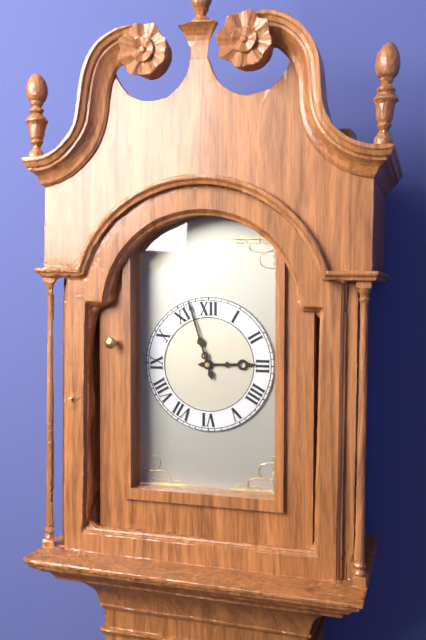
2:57
